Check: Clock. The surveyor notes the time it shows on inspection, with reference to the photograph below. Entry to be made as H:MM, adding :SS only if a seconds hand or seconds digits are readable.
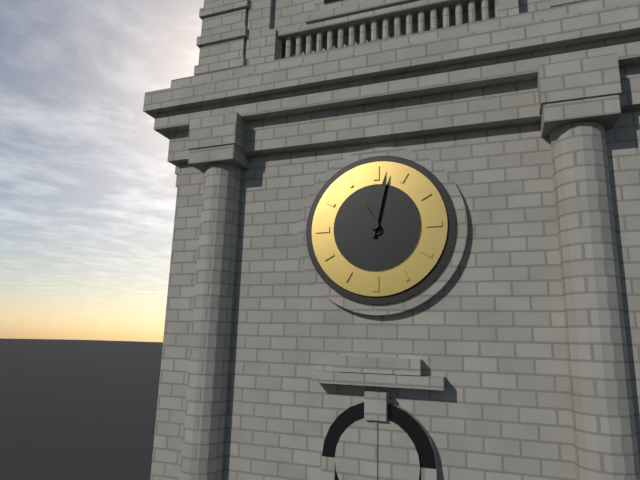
11:02
